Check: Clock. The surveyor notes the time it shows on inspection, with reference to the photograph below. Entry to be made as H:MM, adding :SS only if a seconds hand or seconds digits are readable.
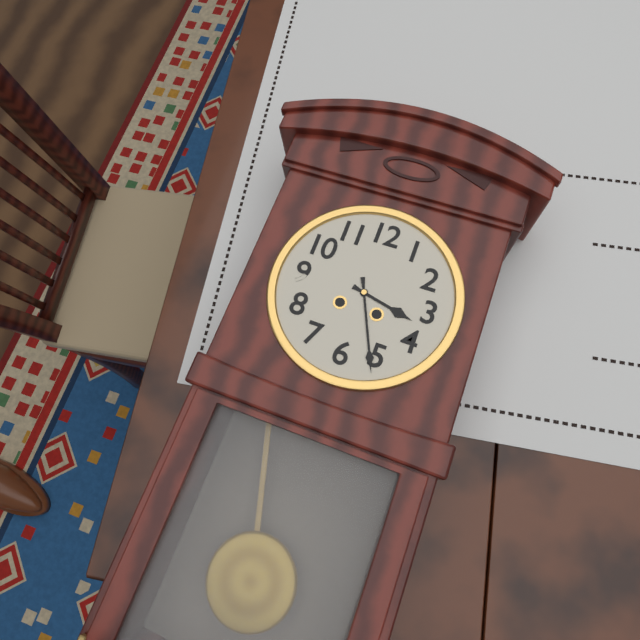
3:26
